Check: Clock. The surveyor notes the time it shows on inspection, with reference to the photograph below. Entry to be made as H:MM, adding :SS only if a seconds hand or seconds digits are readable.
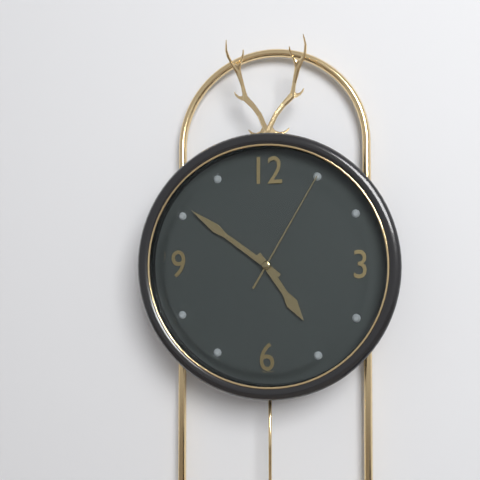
4:51:05
